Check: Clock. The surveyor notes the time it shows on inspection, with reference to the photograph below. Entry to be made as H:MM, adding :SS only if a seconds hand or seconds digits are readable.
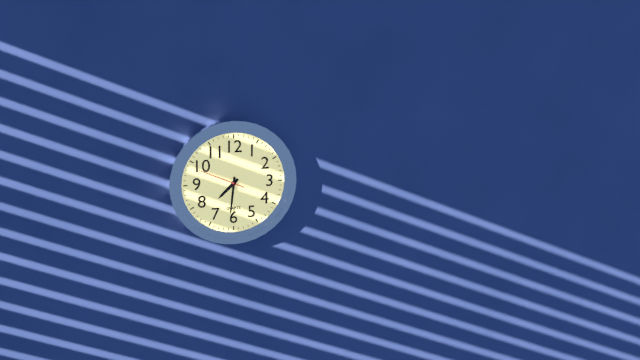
7:31
